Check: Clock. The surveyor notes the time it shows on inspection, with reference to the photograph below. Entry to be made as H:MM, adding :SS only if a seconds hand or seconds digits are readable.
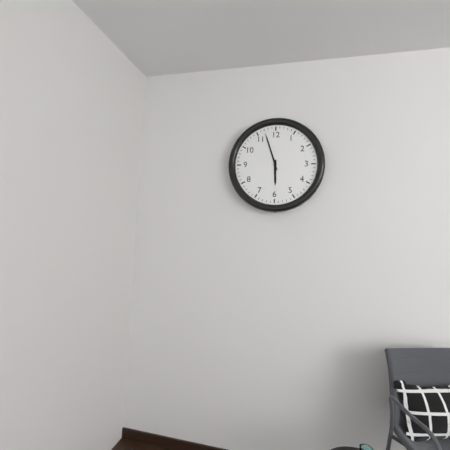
5:57
